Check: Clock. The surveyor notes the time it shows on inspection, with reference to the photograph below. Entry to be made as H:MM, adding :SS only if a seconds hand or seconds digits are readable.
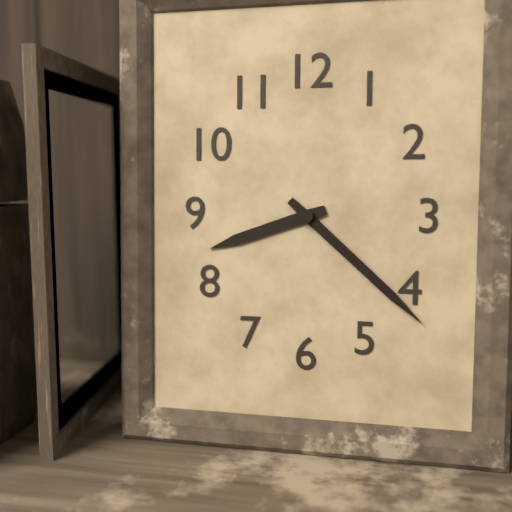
8:22:22
